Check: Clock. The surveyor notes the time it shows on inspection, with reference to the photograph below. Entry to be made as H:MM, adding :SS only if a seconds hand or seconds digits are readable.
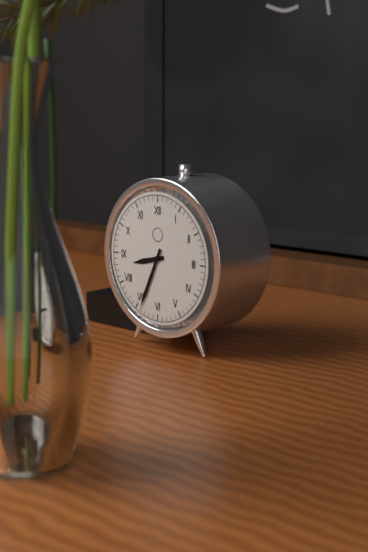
8:34
